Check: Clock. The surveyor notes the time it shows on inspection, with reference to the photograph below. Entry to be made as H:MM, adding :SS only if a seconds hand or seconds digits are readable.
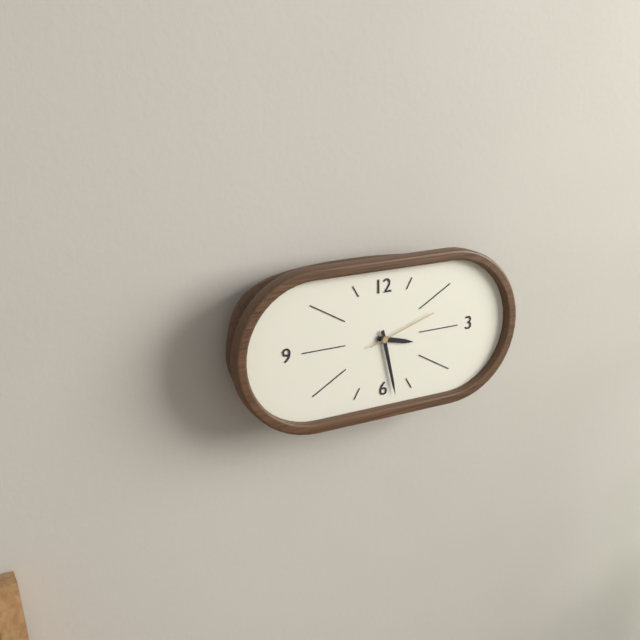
3:28:12
